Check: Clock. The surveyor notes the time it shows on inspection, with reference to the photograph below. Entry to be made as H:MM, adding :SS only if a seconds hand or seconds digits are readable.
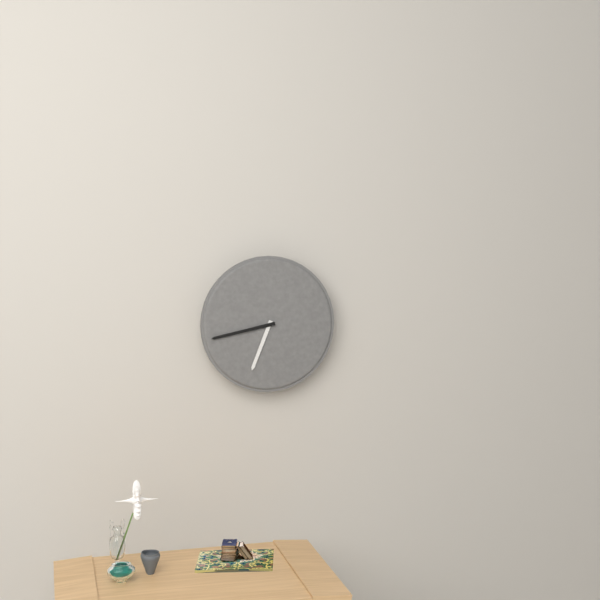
6:43
